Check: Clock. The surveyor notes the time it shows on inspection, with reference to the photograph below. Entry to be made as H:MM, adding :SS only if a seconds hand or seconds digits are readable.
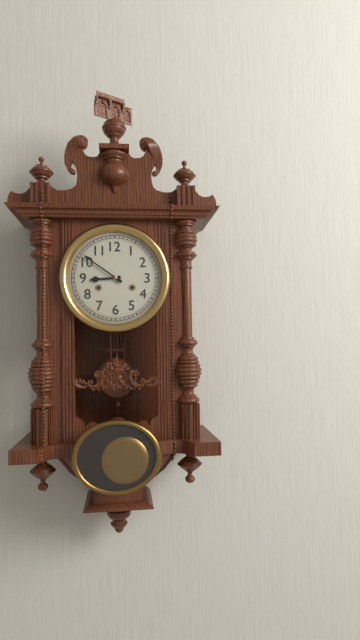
8:51
